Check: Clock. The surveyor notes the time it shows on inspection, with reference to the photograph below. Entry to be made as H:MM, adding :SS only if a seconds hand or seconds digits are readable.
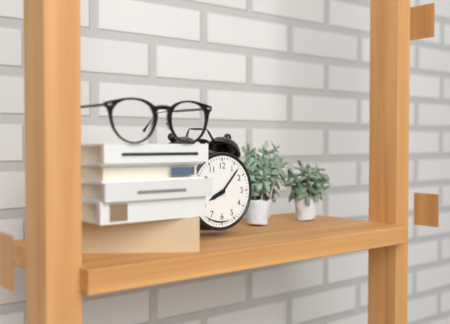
8:07
